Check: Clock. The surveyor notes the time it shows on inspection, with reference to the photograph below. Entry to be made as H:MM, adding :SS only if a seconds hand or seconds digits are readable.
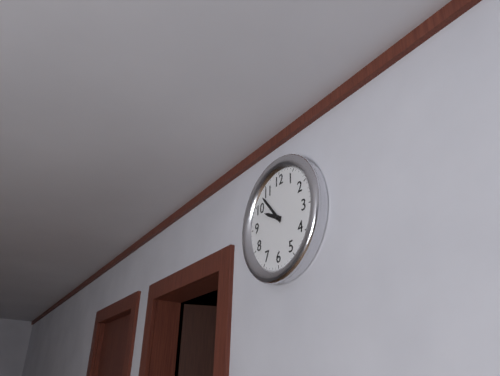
9:53
